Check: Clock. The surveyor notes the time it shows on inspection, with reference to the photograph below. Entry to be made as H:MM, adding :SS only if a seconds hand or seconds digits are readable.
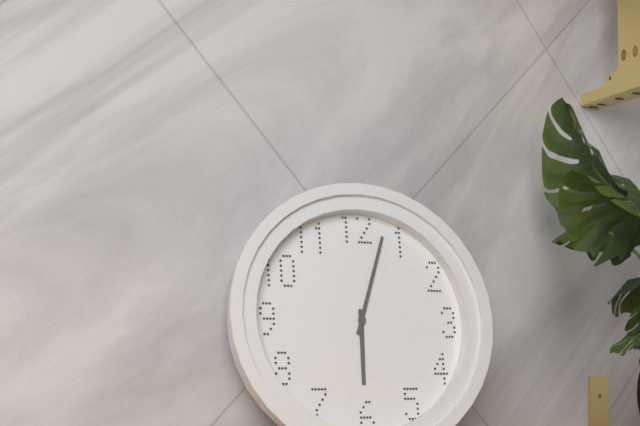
6:03
